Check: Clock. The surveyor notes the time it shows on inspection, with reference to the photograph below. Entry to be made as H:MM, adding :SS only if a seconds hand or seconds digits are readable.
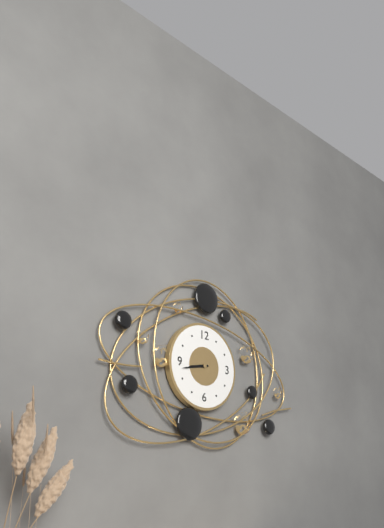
8:43
